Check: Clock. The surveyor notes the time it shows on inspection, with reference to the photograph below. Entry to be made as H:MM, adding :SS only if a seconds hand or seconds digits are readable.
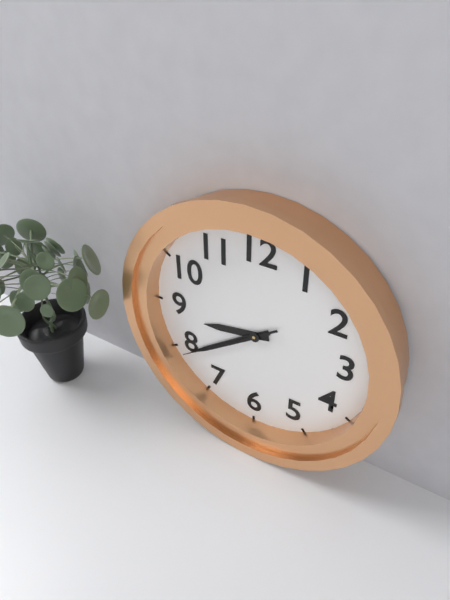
8:39:39
